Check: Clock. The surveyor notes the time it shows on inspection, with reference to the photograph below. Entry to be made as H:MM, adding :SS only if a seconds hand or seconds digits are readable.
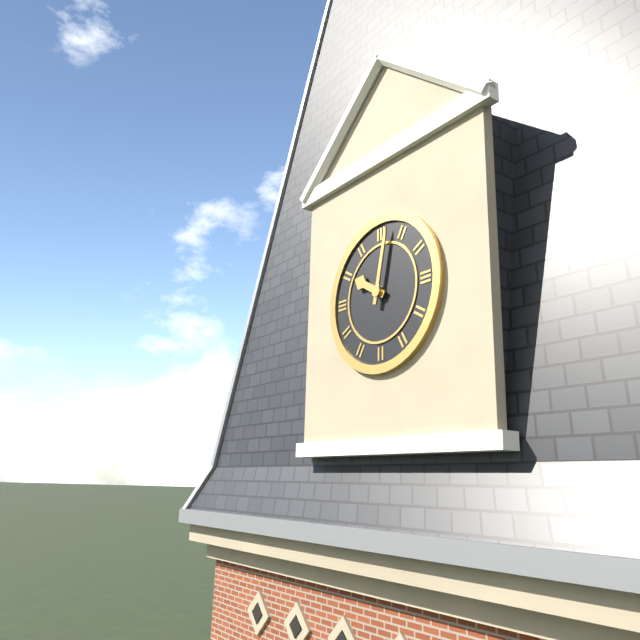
10:02
